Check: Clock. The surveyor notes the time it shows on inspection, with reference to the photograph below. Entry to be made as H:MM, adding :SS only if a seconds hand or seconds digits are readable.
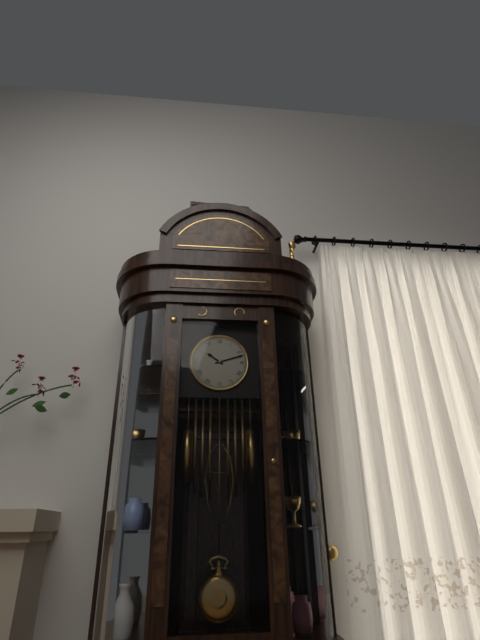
10:12
